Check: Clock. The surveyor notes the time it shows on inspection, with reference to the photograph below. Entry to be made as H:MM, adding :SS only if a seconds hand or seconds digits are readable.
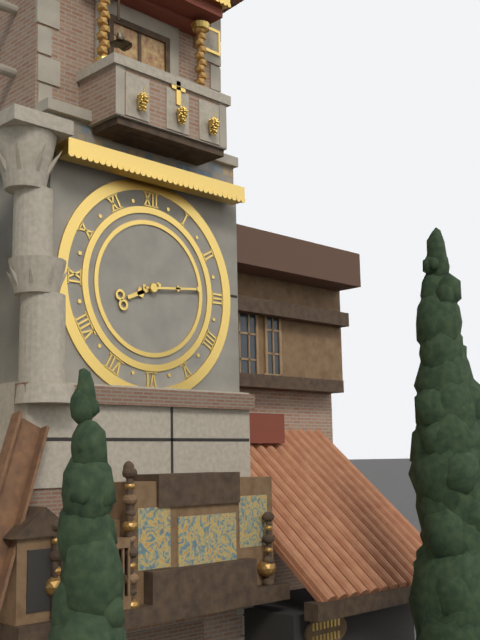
8:14
